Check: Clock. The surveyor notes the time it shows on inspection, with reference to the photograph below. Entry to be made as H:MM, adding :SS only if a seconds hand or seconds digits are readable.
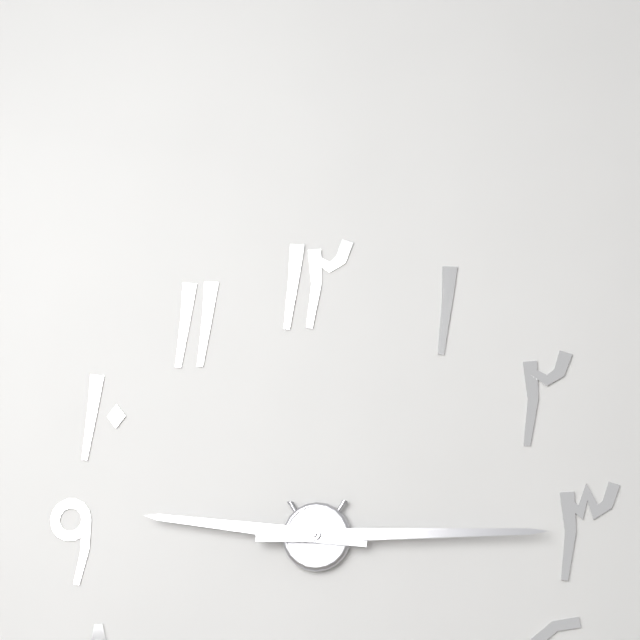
9:15
